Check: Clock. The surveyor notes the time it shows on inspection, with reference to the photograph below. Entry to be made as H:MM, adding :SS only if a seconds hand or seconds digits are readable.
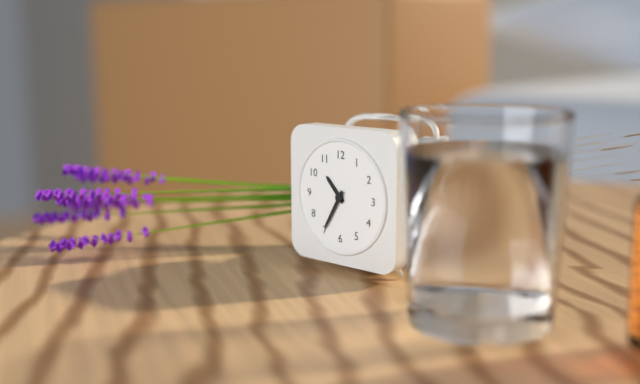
10:35
